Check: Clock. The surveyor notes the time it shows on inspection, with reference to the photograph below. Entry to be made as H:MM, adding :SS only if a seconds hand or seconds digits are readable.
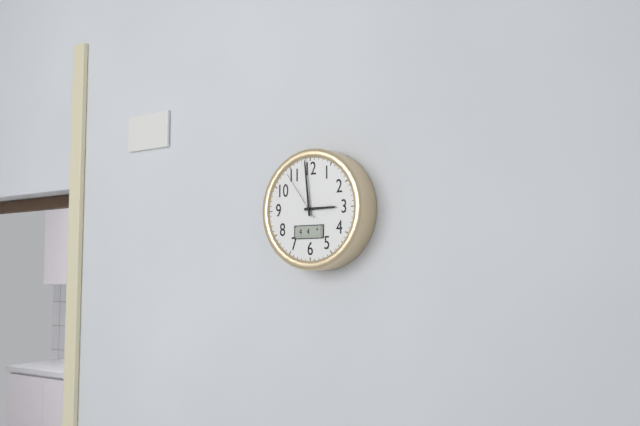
2:59:54
